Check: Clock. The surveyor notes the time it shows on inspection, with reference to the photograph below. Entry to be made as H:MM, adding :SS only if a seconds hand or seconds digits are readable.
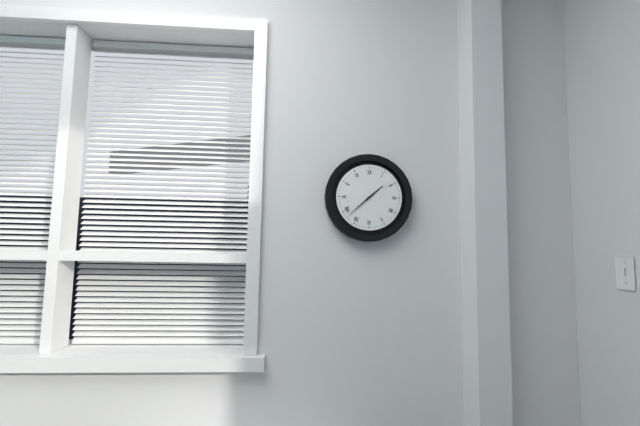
1:38
